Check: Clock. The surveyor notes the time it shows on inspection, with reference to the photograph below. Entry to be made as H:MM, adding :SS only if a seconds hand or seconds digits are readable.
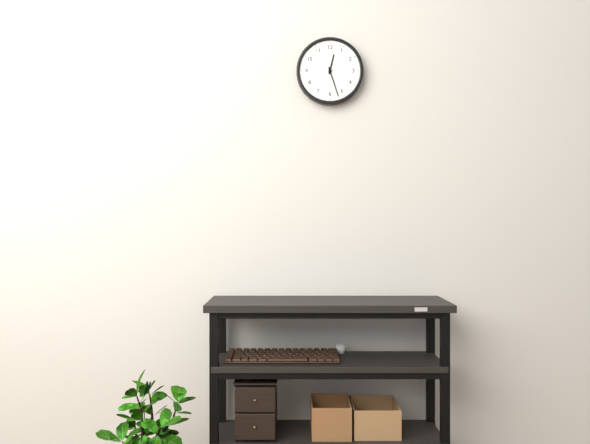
12:27
